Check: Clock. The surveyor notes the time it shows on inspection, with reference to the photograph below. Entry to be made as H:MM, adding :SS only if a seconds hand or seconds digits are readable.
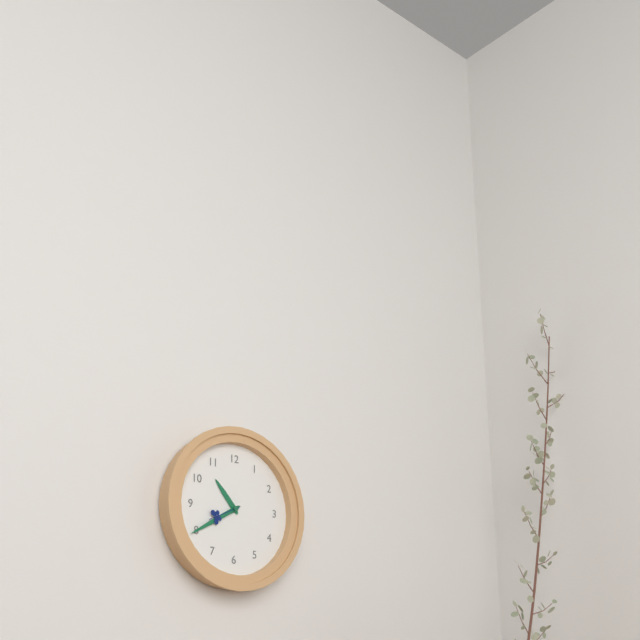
10:40
